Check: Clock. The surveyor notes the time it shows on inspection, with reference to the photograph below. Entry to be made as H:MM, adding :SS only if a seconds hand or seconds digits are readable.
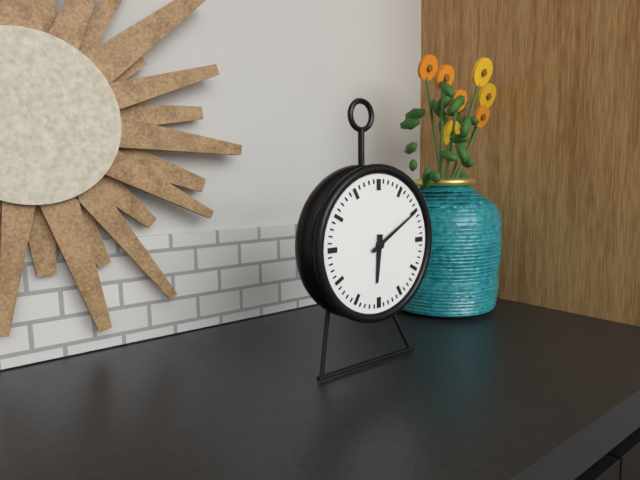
6:10
